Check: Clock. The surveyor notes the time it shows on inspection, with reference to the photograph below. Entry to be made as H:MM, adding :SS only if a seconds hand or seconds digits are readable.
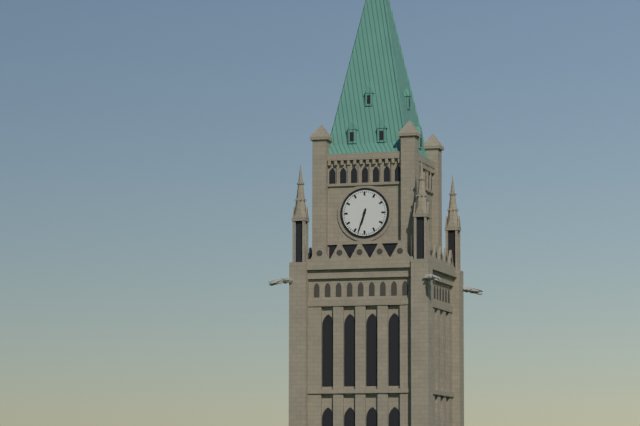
6:33
